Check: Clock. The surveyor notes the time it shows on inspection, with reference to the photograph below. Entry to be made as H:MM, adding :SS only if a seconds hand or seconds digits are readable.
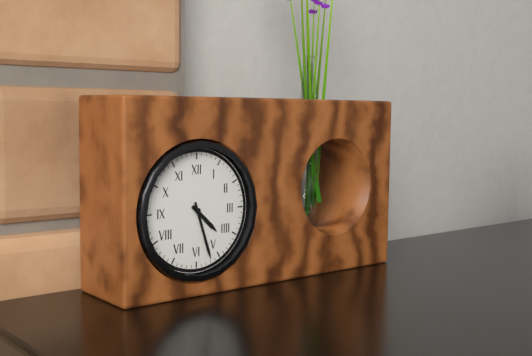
4:27
